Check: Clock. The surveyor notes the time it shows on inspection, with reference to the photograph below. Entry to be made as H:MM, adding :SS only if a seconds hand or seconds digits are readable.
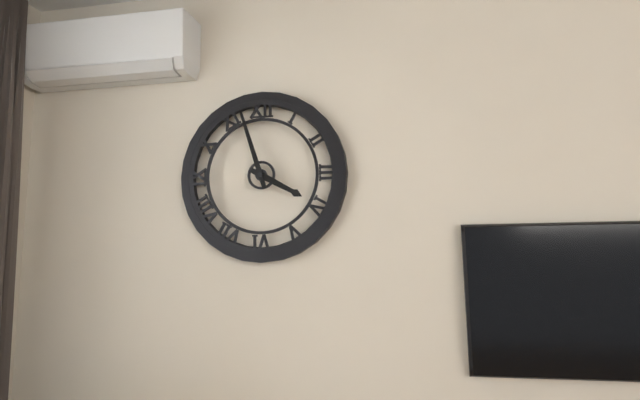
3:57
